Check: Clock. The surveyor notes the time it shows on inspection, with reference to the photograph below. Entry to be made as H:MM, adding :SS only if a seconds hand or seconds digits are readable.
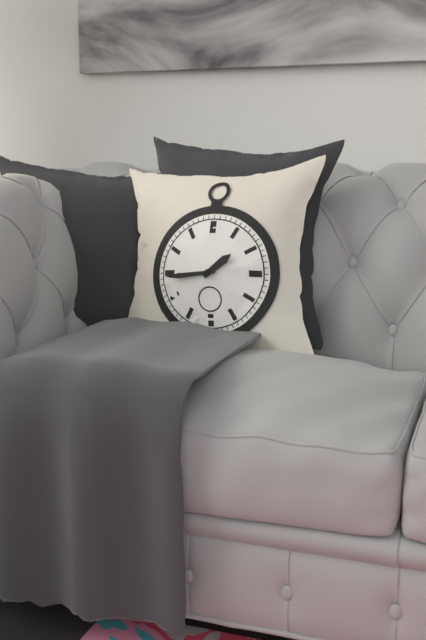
1:44
